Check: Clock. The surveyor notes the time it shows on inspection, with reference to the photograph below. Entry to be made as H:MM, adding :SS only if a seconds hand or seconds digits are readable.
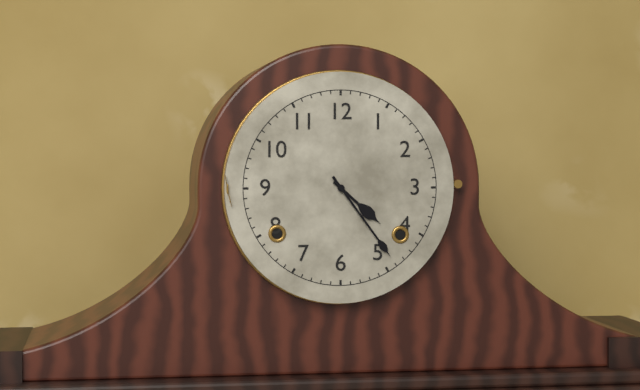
4:24
